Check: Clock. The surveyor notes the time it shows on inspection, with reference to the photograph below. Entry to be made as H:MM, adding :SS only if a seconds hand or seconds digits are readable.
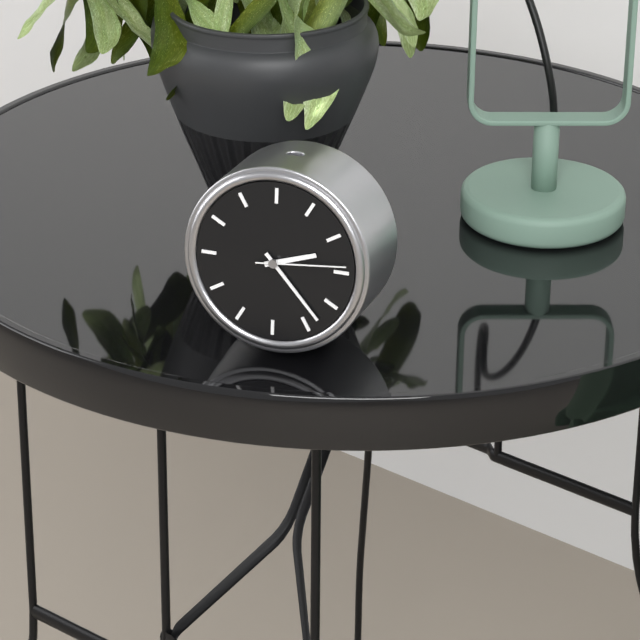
2:23:14
